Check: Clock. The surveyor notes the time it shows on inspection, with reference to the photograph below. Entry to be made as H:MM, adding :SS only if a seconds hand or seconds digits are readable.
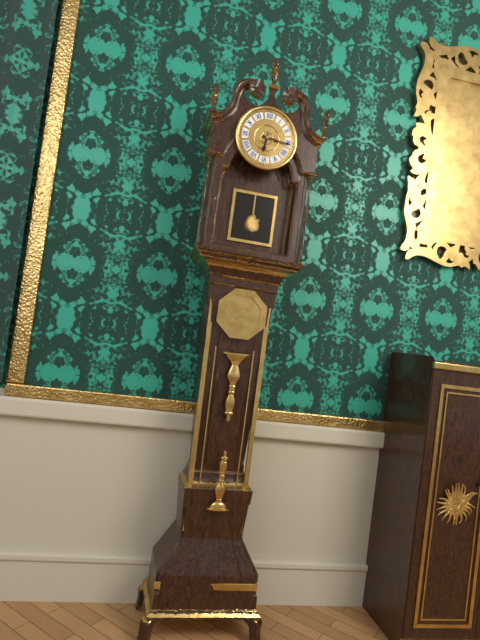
6:16
